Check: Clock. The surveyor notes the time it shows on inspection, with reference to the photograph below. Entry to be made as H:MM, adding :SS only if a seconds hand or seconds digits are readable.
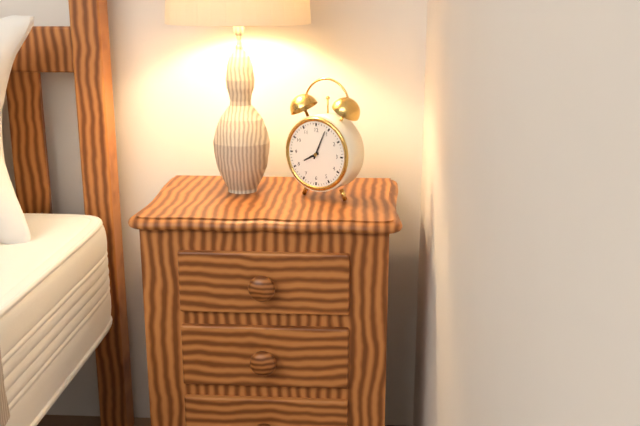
8:04
